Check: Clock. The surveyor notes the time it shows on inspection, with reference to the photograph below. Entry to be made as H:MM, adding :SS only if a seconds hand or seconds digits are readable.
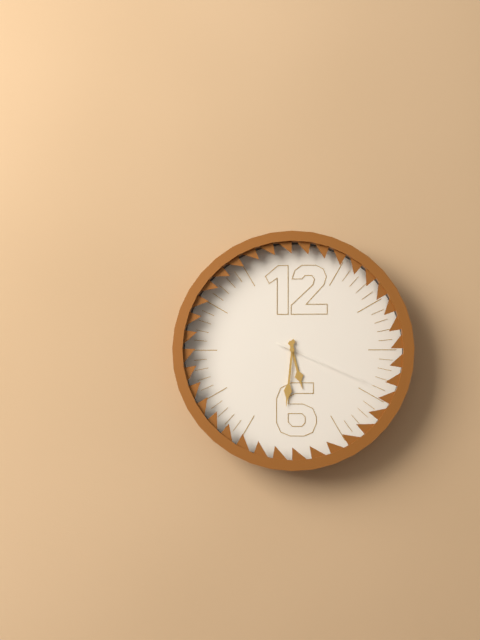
5:31:19
